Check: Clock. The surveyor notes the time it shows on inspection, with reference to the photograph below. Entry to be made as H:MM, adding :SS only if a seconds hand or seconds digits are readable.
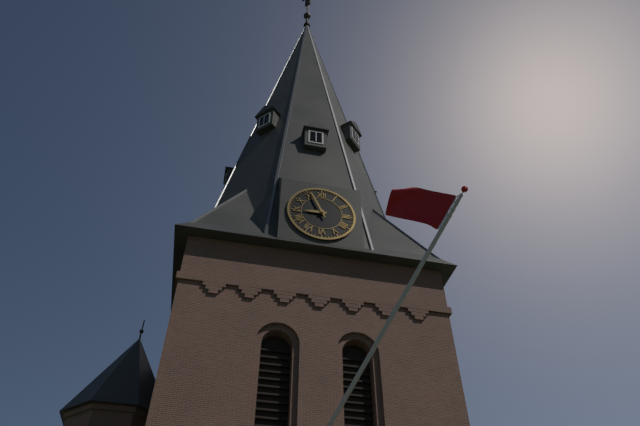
8:56
